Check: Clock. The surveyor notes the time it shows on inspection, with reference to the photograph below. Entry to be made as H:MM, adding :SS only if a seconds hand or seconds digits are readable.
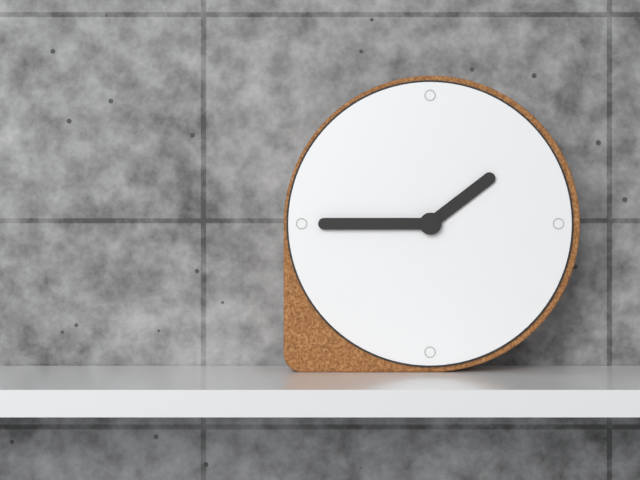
1:45
